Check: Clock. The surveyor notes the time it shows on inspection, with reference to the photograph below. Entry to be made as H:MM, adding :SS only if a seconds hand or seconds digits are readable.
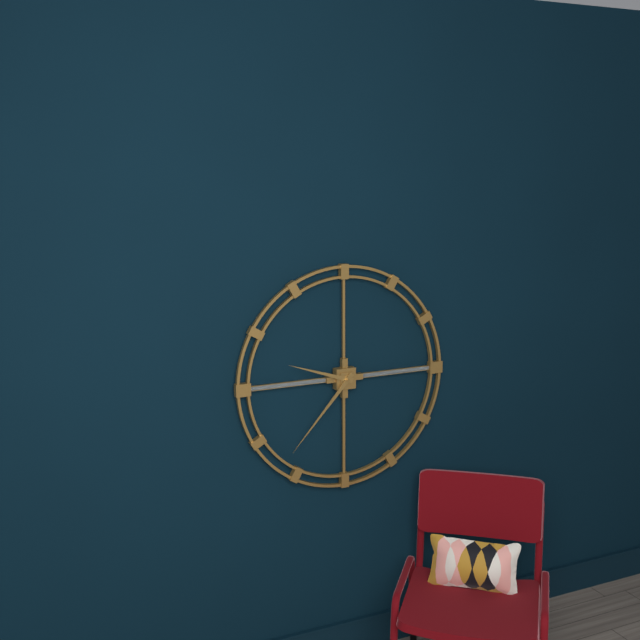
9:37
